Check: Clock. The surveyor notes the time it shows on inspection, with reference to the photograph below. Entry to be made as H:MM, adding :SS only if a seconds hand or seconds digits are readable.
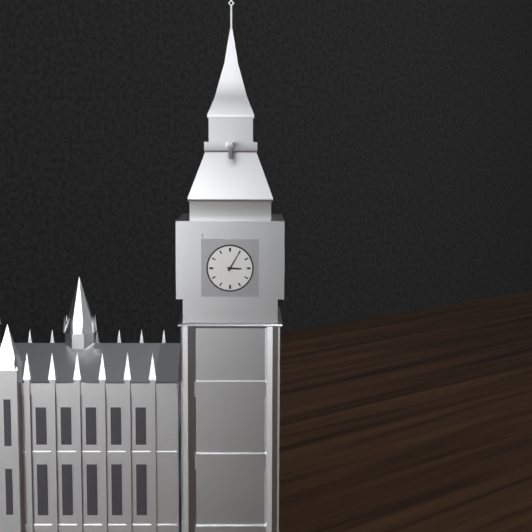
3:05
